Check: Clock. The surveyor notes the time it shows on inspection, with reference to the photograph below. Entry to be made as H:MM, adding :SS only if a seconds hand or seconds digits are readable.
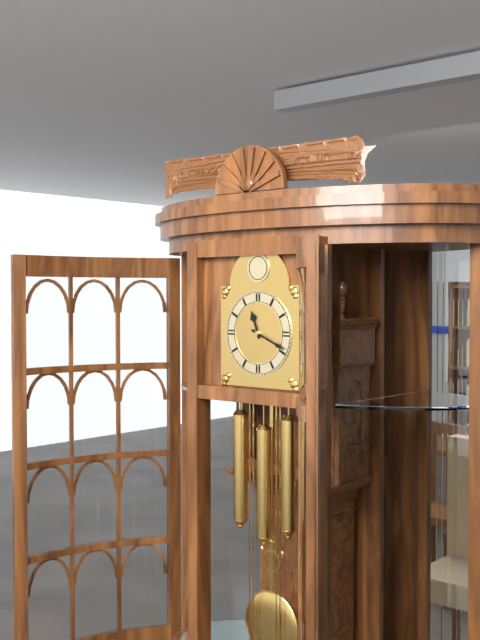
11:19
